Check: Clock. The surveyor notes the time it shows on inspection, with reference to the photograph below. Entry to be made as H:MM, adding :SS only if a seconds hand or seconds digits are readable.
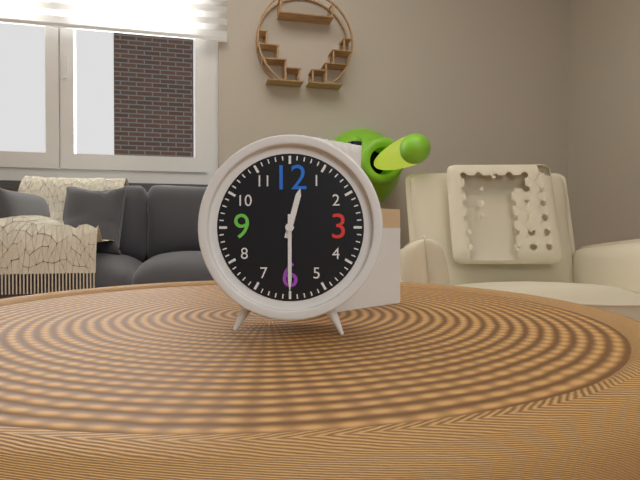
12:30
